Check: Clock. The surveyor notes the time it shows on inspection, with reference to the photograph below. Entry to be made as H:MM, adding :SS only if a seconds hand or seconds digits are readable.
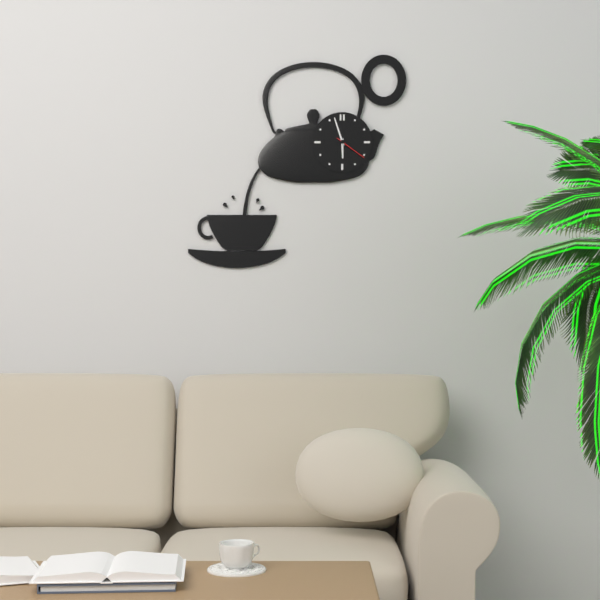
5:57
